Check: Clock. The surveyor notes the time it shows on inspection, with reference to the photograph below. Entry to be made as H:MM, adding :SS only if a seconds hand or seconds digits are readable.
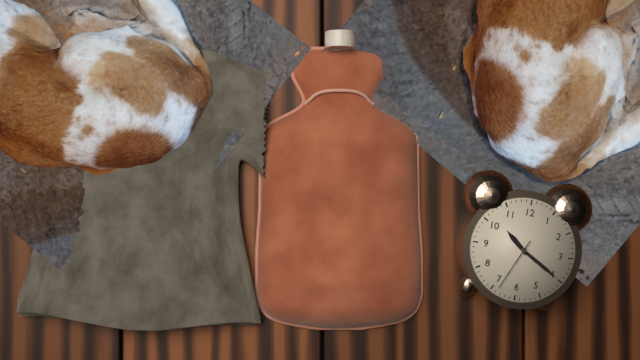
10:20:34
